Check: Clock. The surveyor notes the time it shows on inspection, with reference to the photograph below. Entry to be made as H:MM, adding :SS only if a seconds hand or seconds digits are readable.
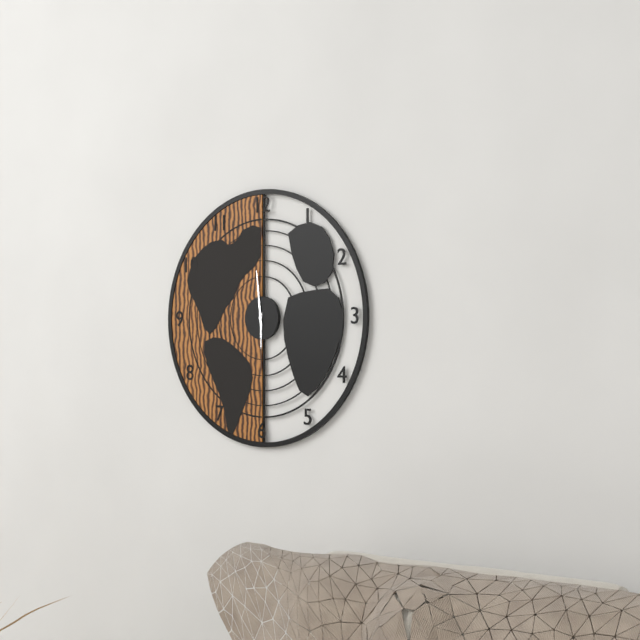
5:59
